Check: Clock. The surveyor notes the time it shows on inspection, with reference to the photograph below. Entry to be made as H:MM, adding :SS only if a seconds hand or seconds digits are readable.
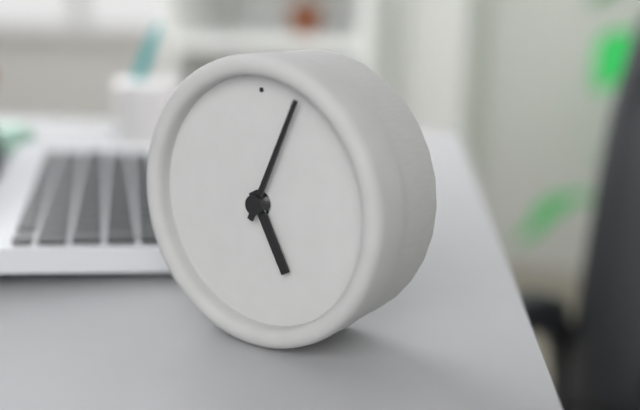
5:04
